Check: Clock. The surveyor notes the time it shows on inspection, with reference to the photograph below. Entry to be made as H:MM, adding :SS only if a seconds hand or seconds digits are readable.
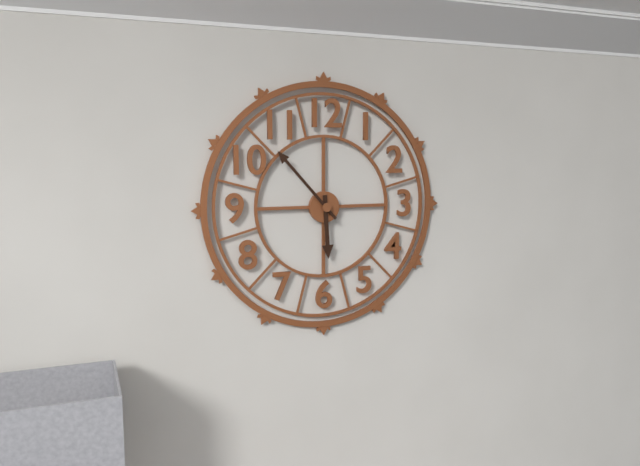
5:53
